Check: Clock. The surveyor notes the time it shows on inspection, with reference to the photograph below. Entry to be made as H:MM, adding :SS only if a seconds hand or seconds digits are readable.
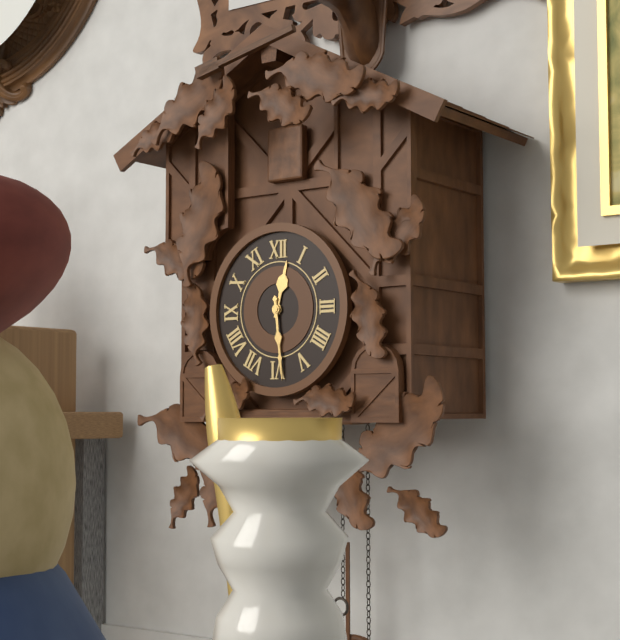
12:29
